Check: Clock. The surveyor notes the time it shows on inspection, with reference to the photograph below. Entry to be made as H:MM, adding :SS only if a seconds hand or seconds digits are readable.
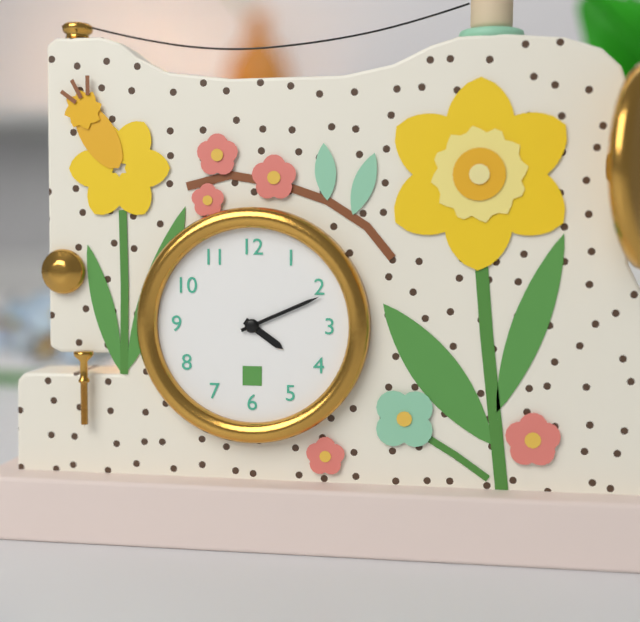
4:11
